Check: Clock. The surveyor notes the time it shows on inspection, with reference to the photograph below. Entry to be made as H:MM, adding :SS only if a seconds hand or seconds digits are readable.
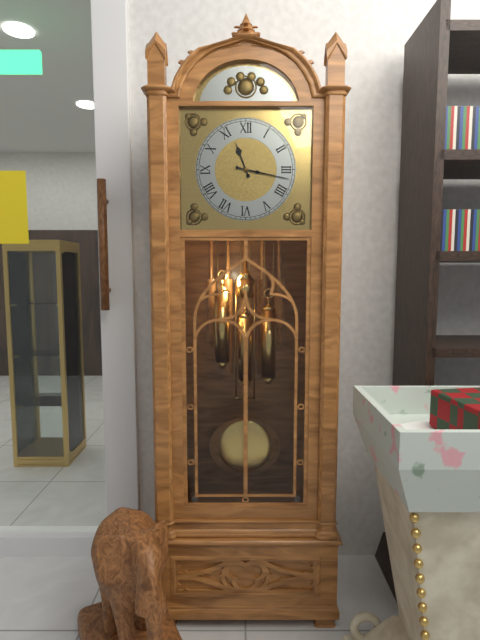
11:17
